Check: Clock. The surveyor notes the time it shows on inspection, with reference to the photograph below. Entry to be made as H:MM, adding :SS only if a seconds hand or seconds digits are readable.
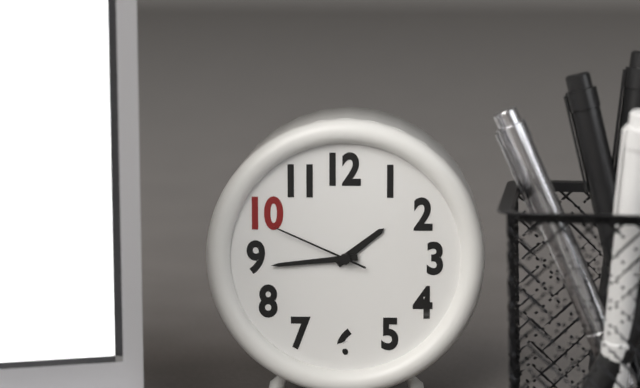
1:44:49
